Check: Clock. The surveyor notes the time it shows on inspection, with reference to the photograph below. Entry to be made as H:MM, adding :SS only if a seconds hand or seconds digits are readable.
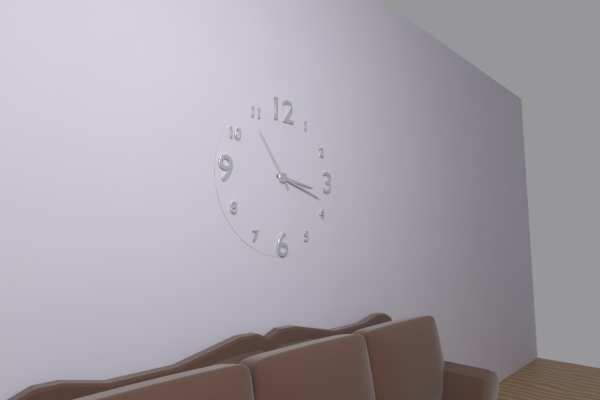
3:18:54
